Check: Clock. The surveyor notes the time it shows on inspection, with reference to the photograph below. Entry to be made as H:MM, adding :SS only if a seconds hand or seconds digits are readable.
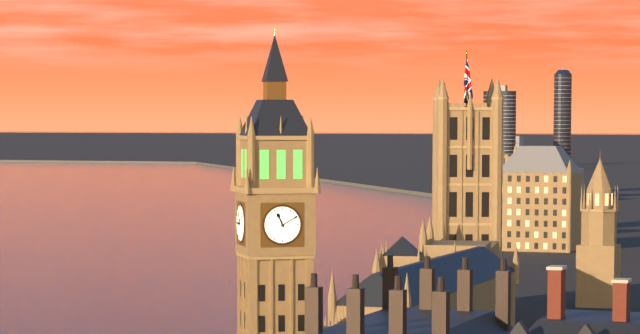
11:10
